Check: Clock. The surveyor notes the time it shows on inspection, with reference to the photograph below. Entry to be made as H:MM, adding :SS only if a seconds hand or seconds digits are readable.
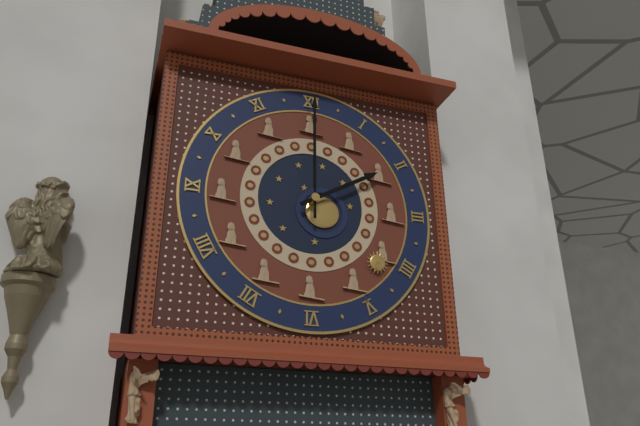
2:00
